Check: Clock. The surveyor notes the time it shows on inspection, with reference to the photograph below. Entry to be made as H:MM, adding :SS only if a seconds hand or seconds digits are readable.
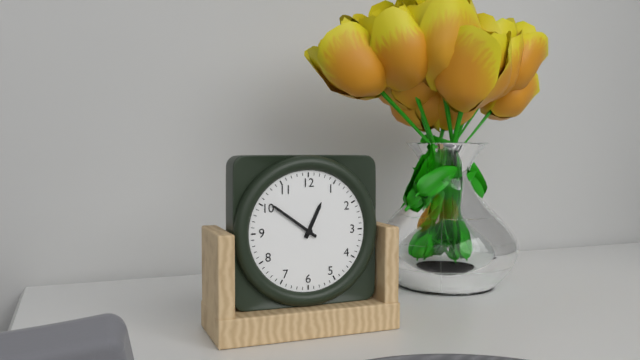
12:51
